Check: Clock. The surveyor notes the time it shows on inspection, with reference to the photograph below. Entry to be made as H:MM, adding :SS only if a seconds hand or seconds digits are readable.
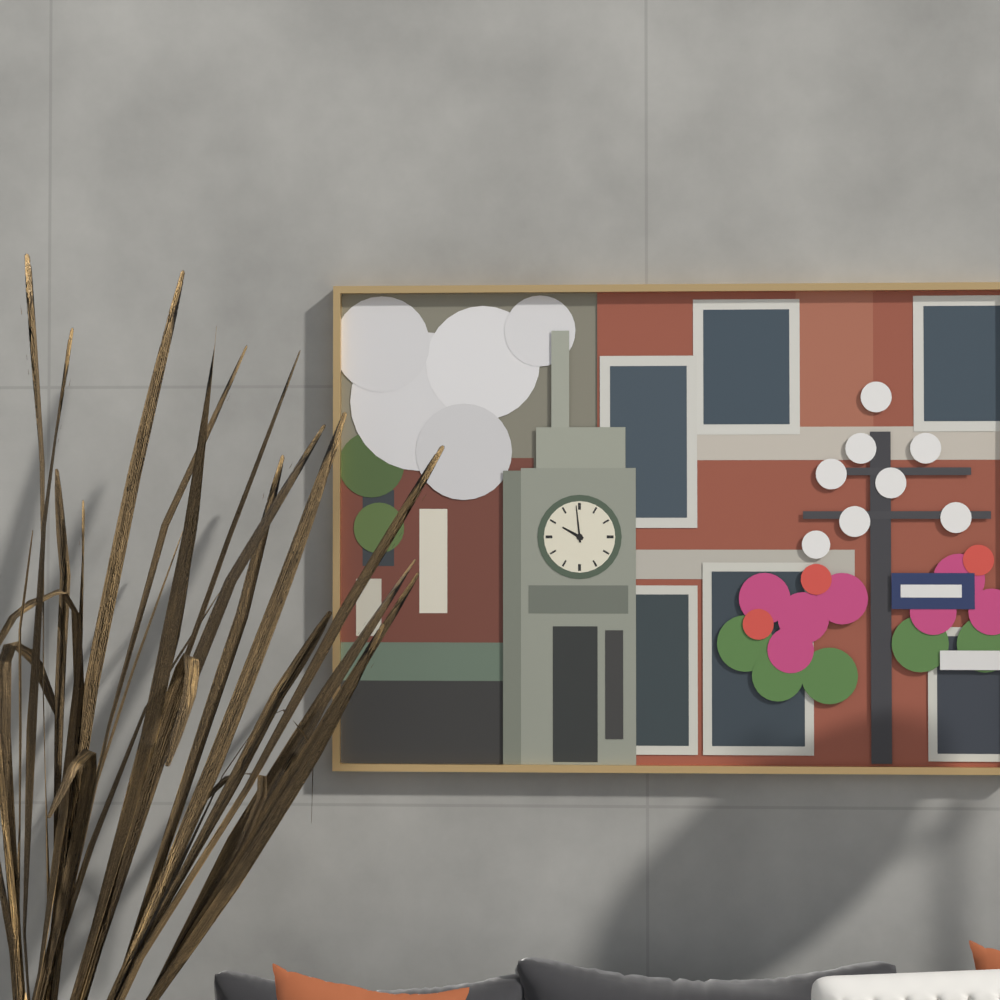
9:59
